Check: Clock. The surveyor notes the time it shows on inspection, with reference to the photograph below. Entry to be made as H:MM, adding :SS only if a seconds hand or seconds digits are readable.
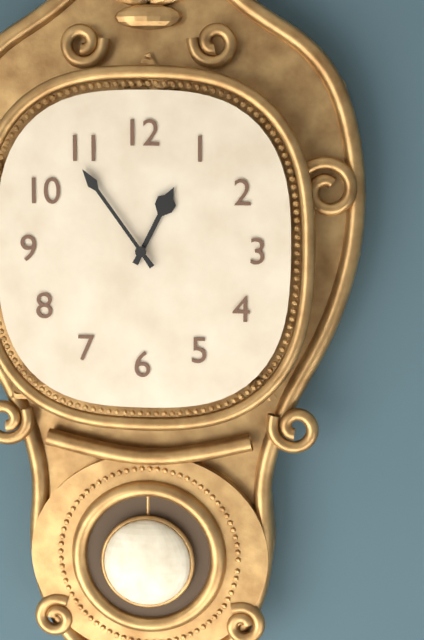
12:54
